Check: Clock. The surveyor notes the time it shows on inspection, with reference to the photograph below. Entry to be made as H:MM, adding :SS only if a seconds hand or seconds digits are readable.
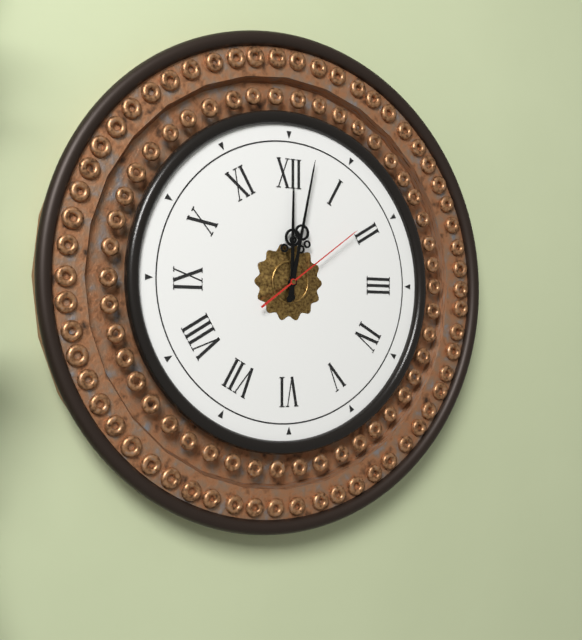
12:02:09
